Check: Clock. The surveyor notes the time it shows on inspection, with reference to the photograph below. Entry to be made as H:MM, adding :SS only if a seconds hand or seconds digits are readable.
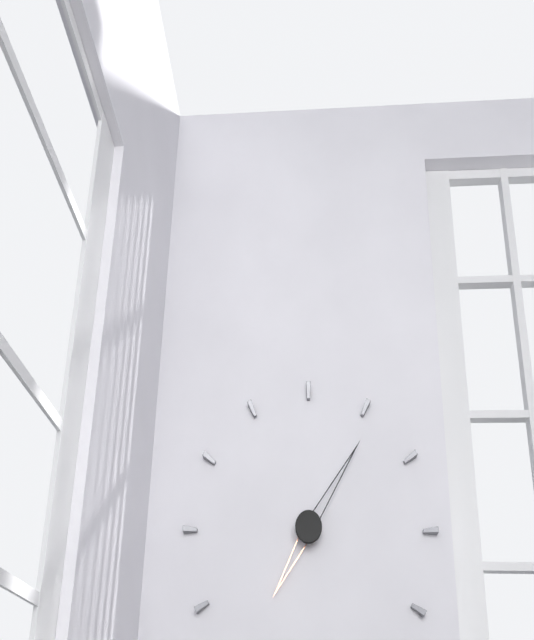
7:06
